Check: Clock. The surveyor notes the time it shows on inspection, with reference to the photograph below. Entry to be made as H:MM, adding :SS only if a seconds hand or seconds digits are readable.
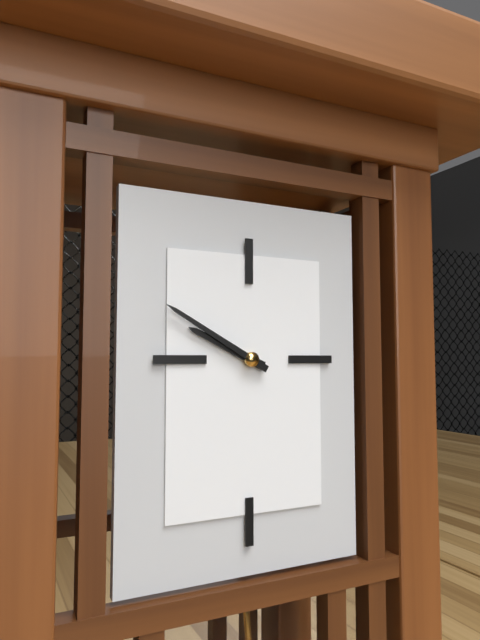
9:50
